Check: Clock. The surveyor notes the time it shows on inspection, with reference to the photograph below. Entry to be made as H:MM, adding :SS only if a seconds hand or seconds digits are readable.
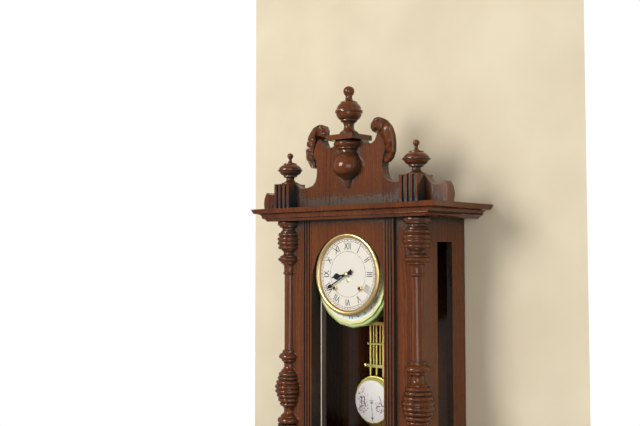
8:40
